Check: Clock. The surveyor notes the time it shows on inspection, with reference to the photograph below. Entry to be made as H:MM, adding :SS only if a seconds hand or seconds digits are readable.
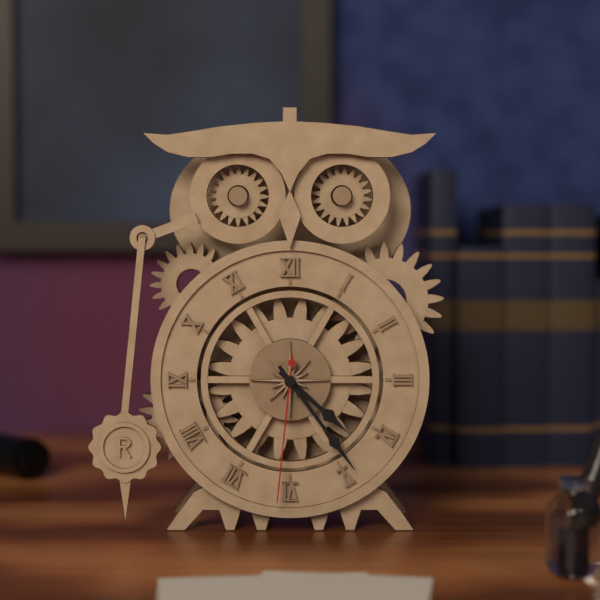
4:24:31
